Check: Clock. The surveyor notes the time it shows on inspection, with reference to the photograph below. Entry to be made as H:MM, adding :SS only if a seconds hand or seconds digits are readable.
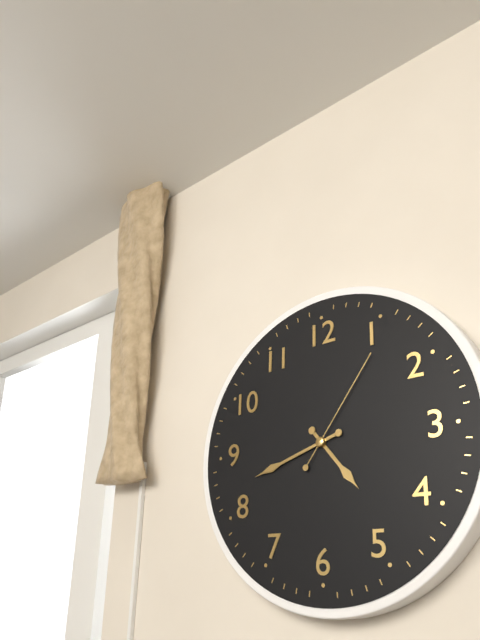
4:42:06
